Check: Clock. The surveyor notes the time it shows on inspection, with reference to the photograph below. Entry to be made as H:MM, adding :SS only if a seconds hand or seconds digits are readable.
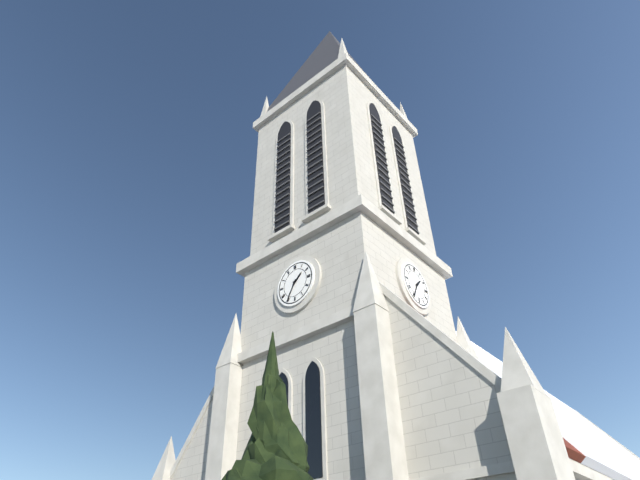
1:35
